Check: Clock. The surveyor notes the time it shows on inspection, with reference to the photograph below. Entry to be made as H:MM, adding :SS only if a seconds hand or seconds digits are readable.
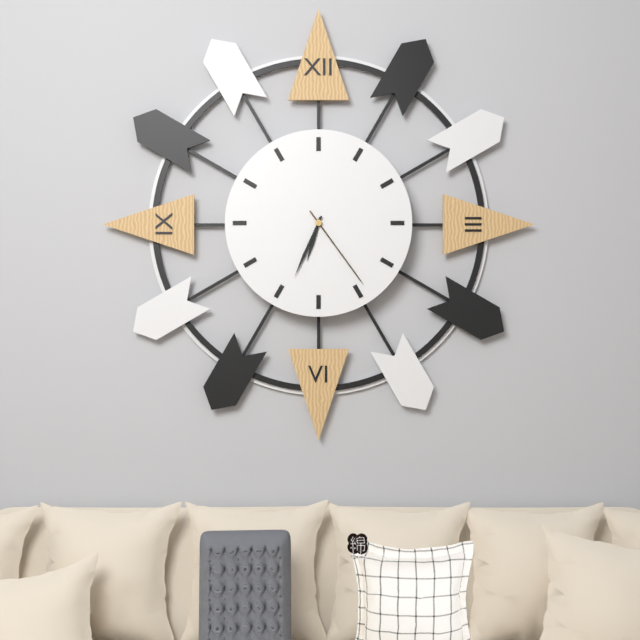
6:34:24
